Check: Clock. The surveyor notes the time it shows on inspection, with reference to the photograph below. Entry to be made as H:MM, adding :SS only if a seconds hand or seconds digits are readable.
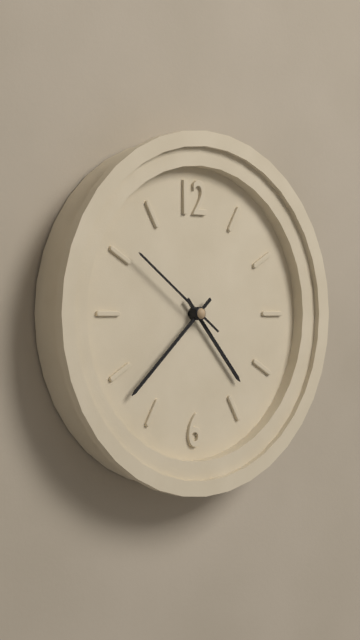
4:38:51
